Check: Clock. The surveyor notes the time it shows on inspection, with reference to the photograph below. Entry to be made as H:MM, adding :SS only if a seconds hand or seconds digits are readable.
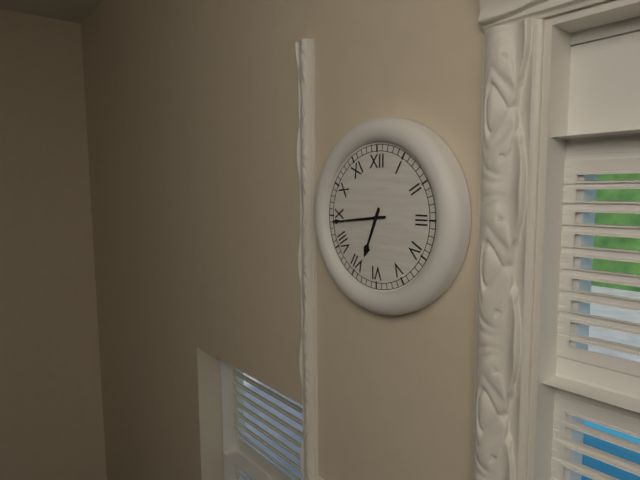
6:44
